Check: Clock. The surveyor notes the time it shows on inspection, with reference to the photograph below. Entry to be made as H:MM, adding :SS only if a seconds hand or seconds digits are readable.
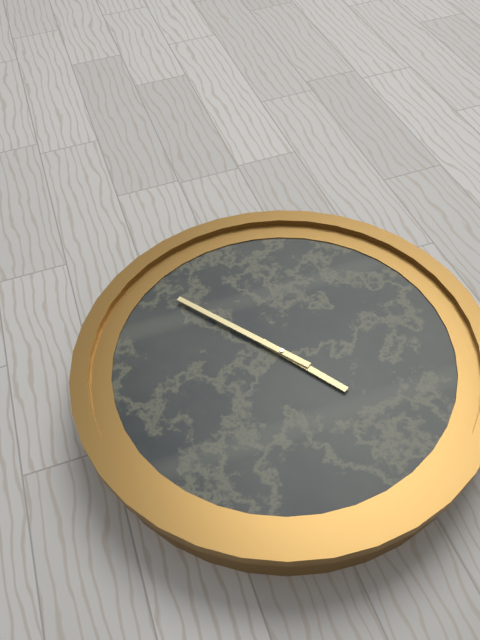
4:54
